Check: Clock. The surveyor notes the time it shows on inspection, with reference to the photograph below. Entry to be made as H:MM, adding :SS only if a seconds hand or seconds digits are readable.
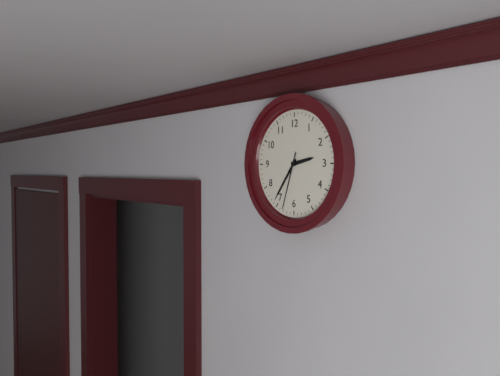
2:36:33
